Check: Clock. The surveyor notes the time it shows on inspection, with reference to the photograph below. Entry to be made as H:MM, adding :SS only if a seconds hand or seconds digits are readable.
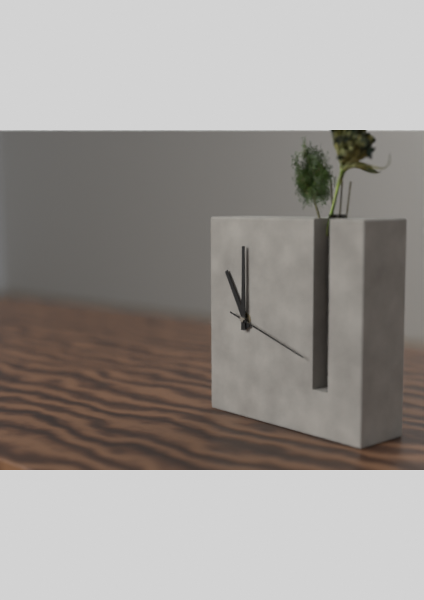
11:00:18
